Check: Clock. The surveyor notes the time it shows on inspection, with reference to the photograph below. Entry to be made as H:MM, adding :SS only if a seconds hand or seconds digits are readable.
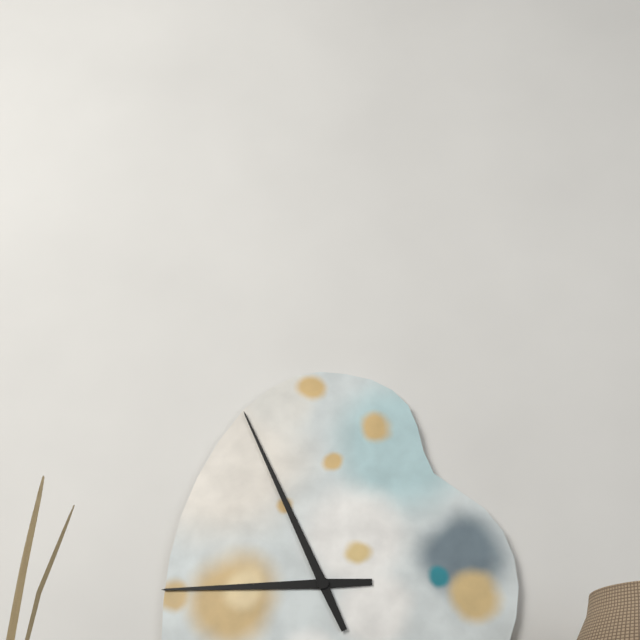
8:56
